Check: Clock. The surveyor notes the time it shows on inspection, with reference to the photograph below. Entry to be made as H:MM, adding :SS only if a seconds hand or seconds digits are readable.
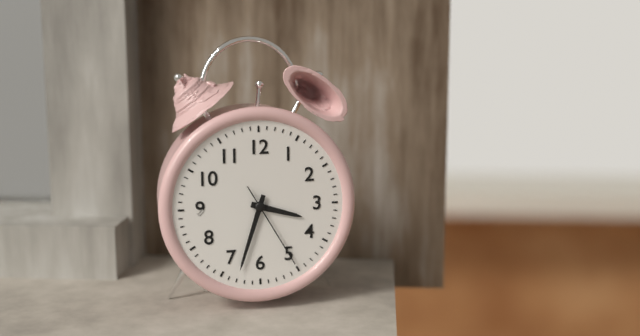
3:33:25
